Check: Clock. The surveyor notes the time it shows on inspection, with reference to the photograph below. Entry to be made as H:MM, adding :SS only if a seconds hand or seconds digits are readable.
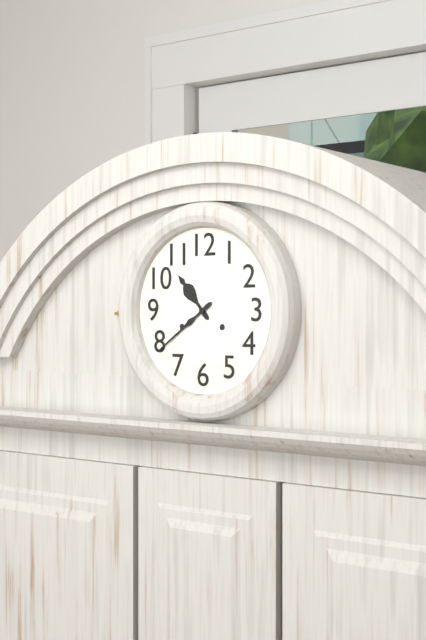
10:39
